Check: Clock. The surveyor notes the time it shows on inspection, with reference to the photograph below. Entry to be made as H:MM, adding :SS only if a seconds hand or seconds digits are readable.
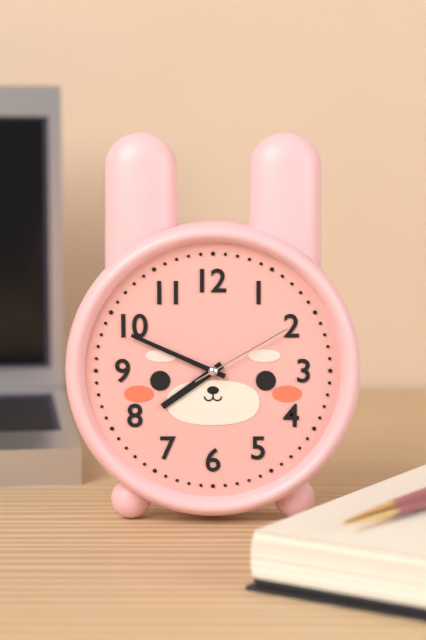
7:49:10
